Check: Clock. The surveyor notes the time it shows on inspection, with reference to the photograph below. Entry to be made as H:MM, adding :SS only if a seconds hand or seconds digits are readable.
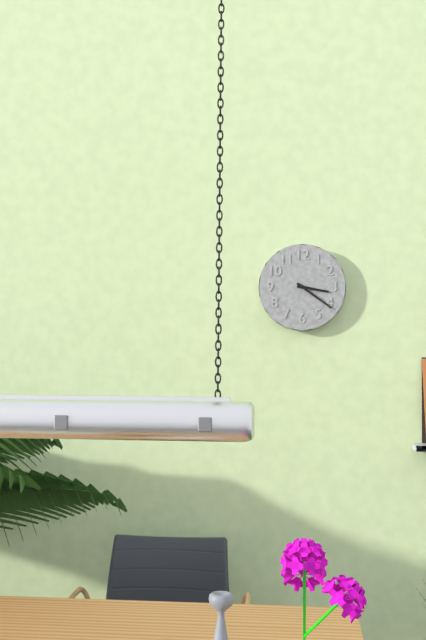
3:21
